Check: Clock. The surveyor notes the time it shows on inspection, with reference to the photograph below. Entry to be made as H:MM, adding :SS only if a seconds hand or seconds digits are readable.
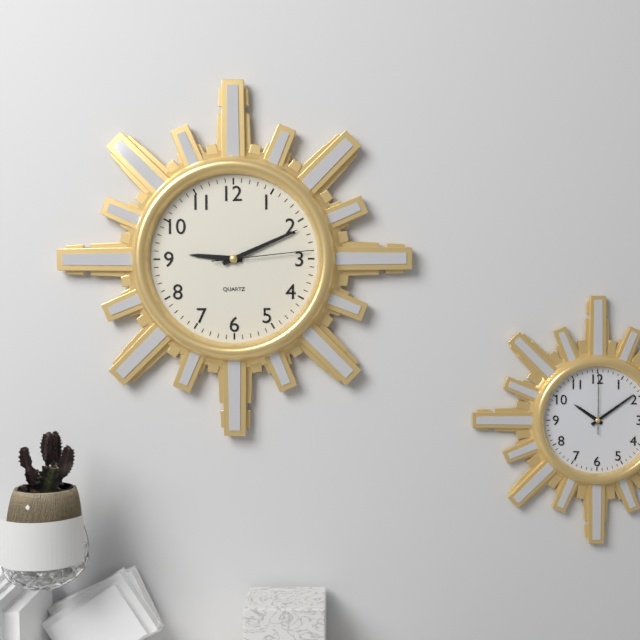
9:11:14
